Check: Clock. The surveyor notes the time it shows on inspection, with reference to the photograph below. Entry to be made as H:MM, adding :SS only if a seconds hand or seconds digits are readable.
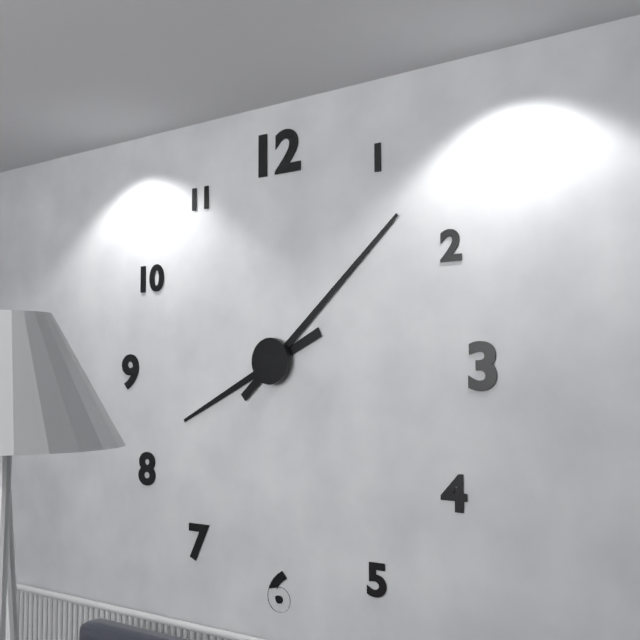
8:08
